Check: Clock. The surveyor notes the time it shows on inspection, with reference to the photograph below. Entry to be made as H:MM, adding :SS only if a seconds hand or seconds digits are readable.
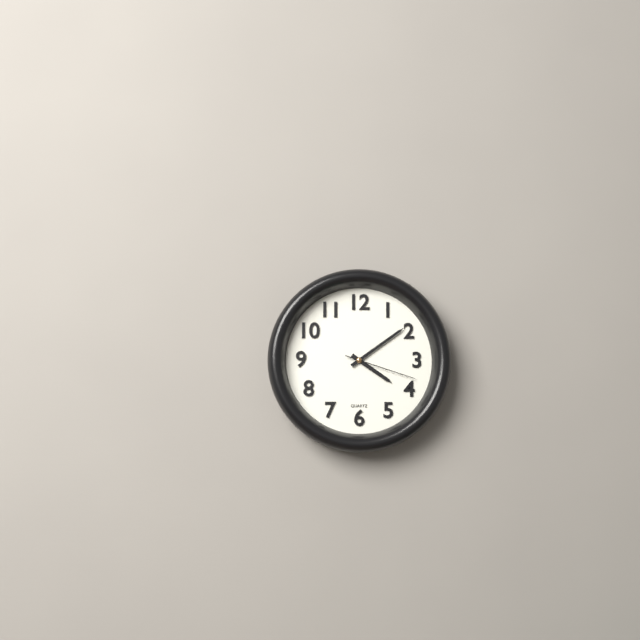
4:09:18
